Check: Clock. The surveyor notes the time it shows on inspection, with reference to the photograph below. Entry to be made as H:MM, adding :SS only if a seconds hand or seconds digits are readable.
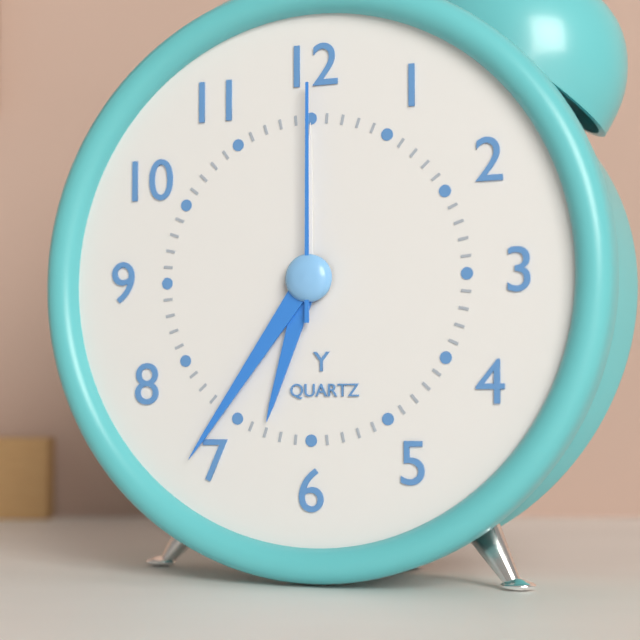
6:36:00
